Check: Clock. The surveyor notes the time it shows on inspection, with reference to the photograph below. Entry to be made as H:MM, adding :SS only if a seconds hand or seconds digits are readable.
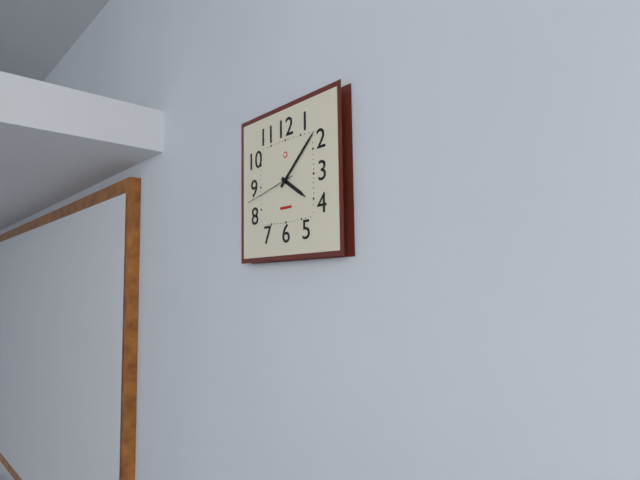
4:08:43
